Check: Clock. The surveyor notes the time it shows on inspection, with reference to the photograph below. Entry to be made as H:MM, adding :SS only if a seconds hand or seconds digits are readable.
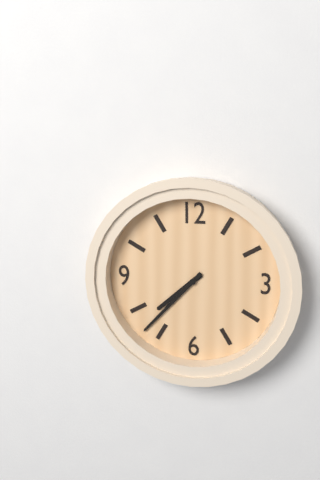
7:37
